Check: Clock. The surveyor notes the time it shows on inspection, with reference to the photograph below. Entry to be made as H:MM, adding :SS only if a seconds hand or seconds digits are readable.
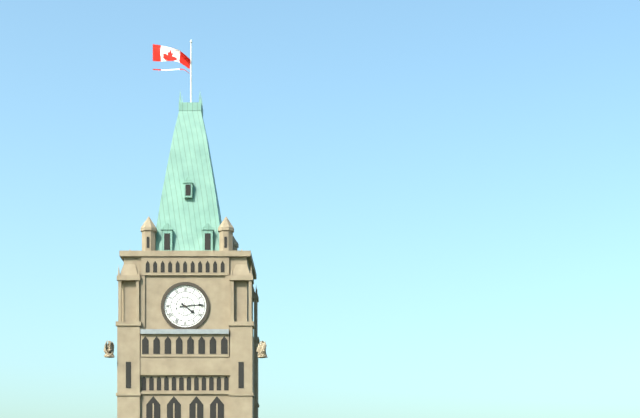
4:14
